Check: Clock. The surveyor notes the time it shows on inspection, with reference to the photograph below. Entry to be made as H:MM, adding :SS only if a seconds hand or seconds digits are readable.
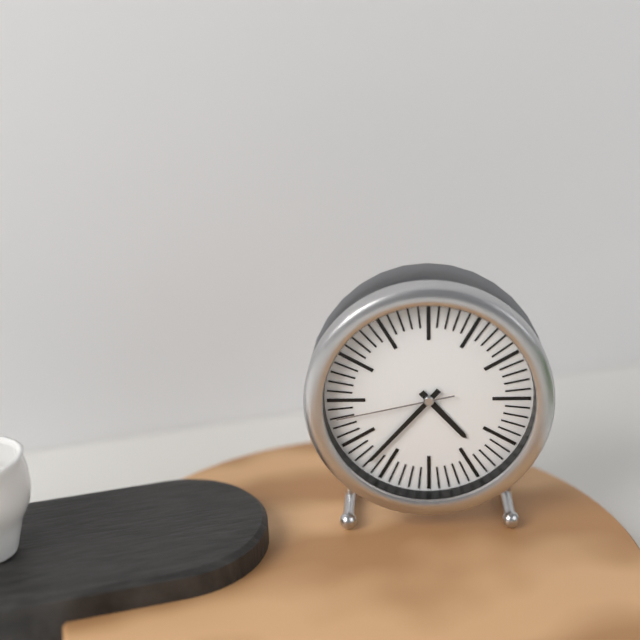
4:37:43
